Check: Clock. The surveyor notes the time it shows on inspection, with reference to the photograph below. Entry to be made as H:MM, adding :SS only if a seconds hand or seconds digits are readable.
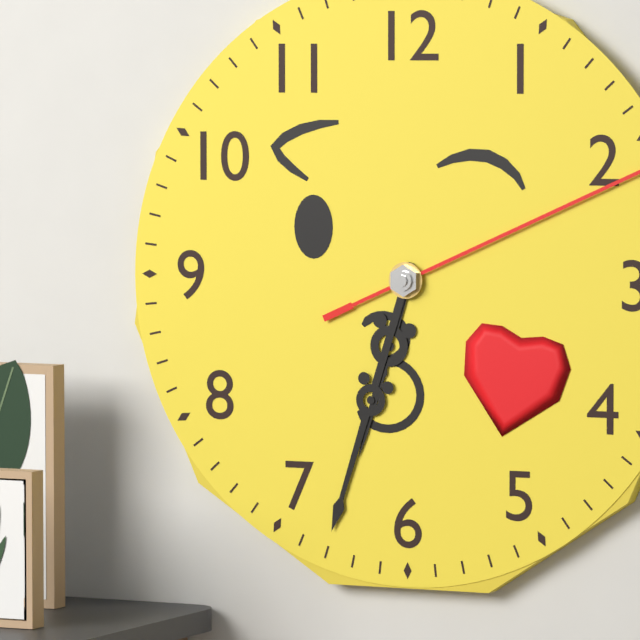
6:33
